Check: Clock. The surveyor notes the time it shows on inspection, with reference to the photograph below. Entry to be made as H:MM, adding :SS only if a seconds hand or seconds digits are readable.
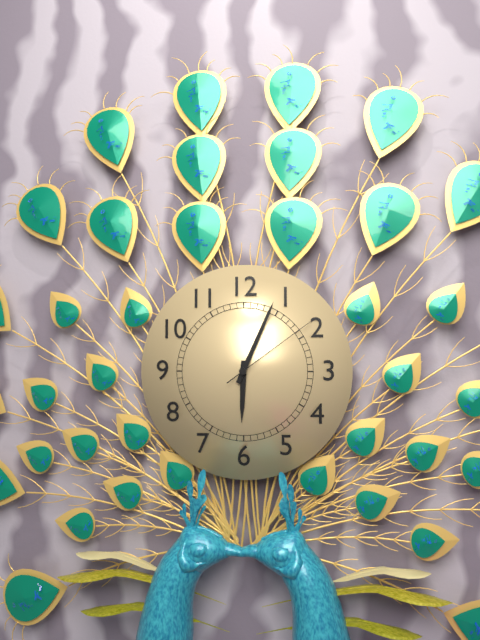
6:04:09
